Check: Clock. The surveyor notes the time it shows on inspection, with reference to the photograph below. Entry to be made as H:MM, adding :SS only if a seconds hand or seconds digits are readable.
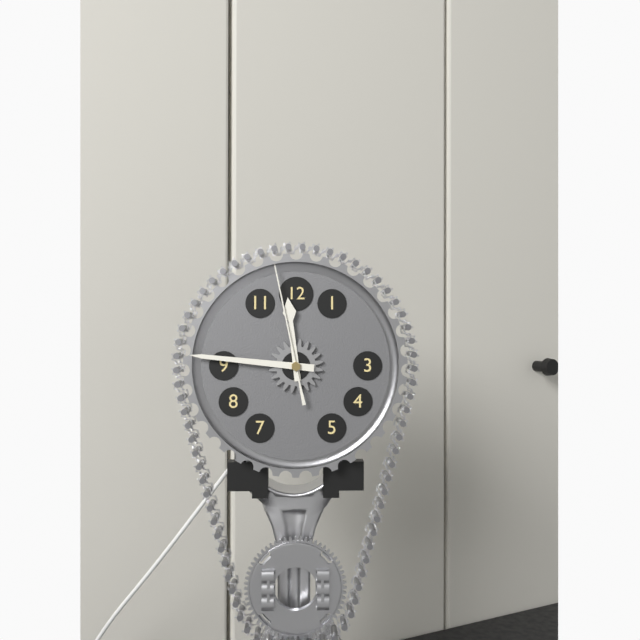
11:46:58
